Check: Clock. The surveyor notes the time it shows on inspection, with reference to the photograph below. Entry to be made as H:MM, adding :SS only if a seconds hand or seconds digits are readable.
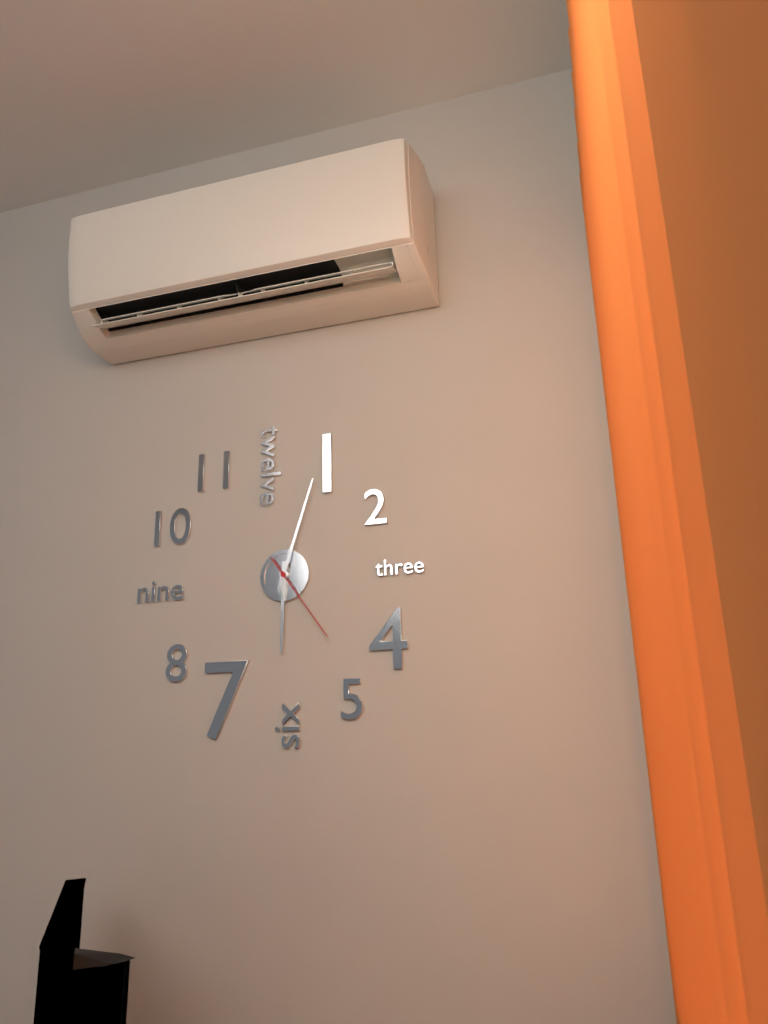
6:03:24
